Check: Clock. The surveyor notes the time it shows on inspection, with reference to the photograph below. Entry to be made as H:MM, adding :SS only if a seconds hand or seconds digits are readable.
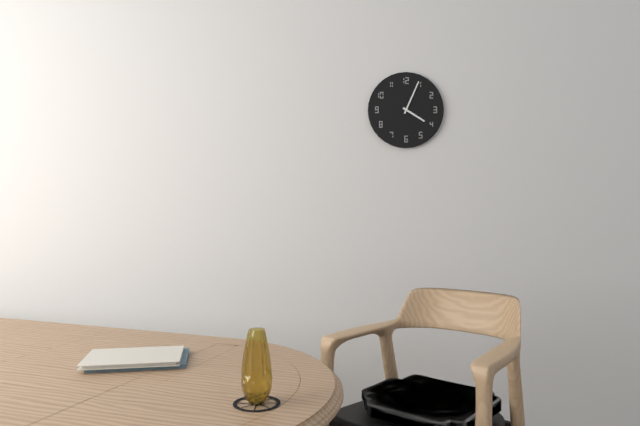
4:04
